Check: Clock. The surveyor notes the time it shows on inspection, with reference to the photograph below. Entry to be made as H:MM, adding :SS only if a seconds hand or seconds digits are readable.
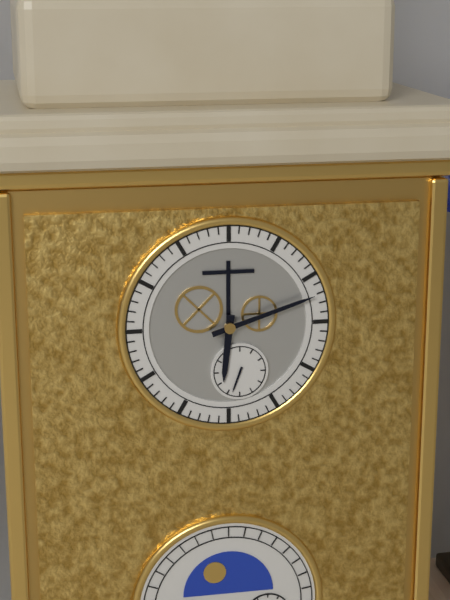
6:12
